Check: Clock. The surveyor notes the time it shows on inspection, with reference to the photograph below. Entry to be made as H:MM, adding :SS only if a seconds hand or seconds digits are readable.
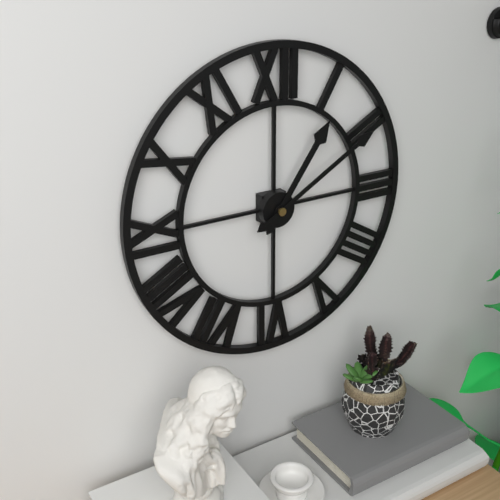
1:10
